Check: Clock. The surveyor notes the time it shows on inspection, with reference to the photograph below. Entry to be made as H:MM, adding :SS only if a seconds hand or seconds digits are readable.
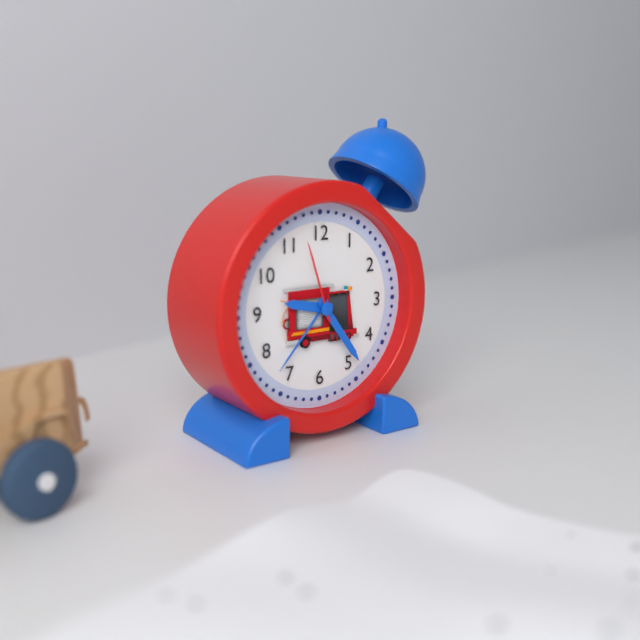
9:24:57
